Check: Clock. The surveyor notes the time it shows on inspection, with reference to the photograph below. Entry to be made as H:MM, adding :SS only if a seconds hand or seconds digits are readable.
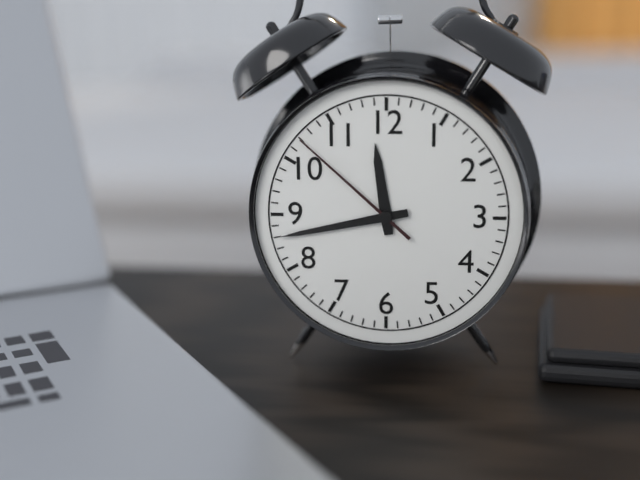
11:43:52
